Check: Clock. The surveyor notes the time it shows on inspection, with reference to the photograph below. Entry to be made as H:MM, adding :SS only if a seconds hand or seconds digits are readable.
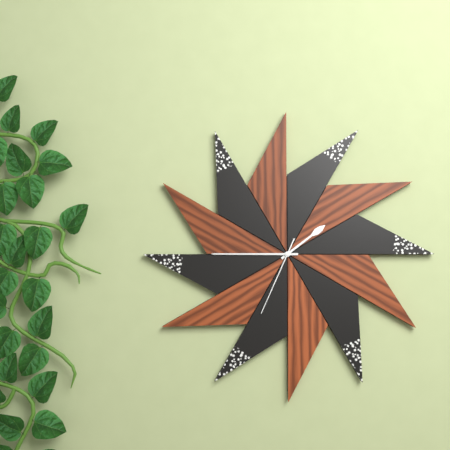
1:45:34
